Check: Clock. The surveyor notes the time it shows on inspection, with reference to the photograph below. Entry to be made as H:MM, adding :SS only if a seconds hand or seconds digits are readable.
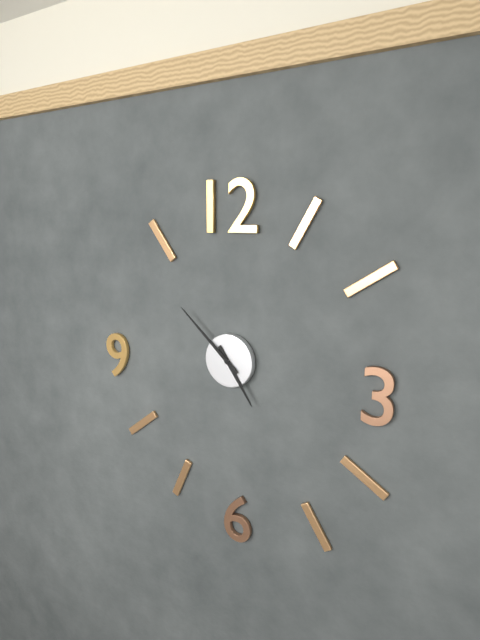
4:52
